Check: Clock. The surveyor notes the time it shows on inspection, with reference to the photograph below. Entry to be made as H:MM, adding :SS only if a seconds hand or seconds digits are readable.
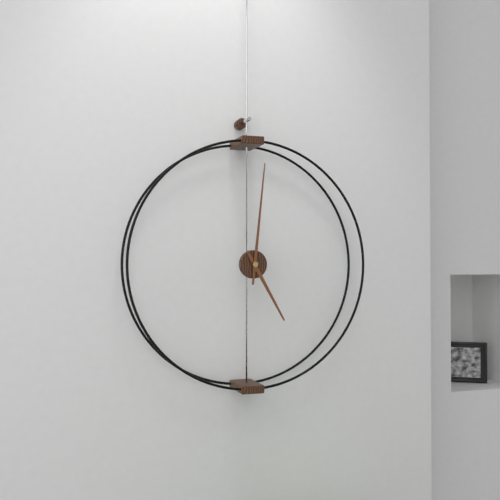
5:01
